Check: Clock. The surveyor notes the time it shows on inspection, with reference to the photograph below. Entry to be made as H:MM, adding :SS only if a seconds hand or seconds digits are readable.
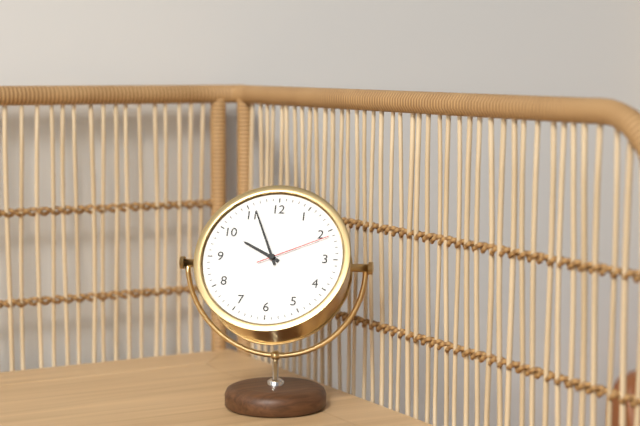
9:56:11
